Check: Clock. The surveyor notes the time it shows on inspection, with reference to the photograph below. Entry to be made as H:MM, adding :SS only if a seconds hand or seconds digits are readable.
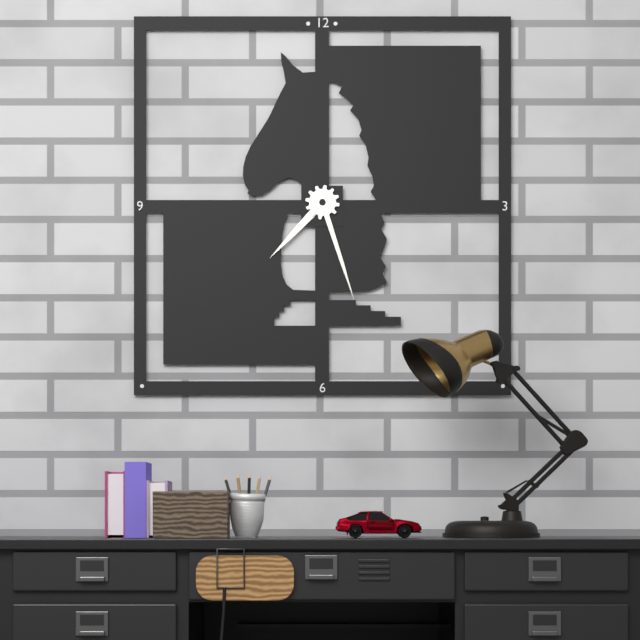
7:27
